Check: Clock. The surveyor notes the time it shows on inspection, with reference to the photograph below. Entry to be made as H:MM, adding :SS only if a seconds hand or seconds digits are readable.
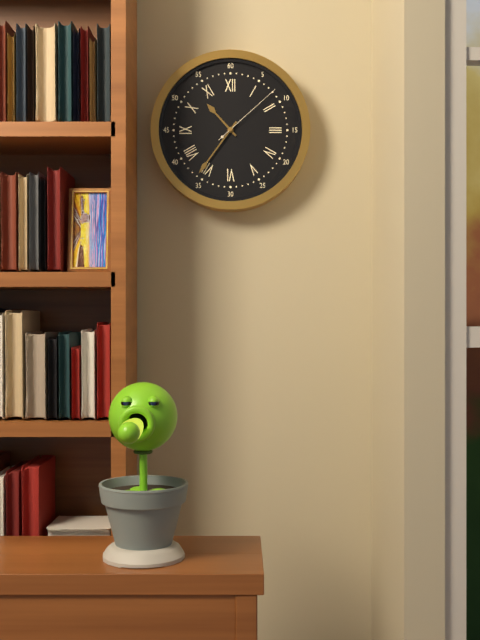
10:36:08
